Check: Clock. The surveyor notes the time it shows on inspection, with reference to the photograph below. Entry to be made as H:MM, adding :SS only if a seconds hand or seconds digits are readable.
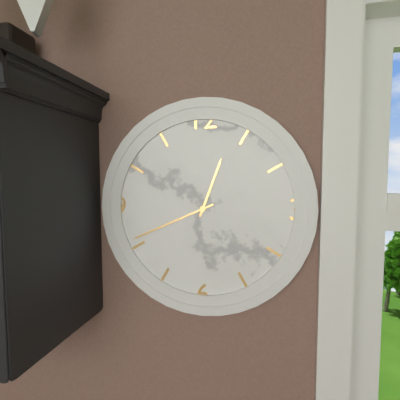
12:41
